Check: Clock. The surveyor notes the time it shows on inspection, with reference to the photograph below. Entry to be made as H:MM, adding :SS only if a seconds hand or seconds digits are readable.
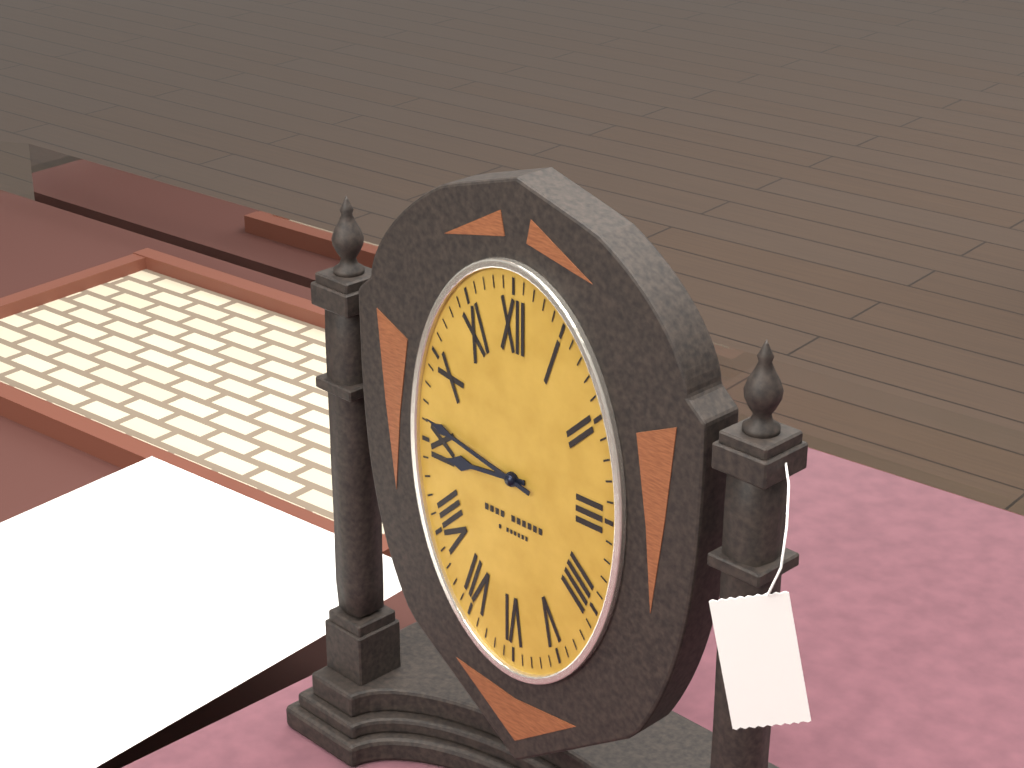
8:47
